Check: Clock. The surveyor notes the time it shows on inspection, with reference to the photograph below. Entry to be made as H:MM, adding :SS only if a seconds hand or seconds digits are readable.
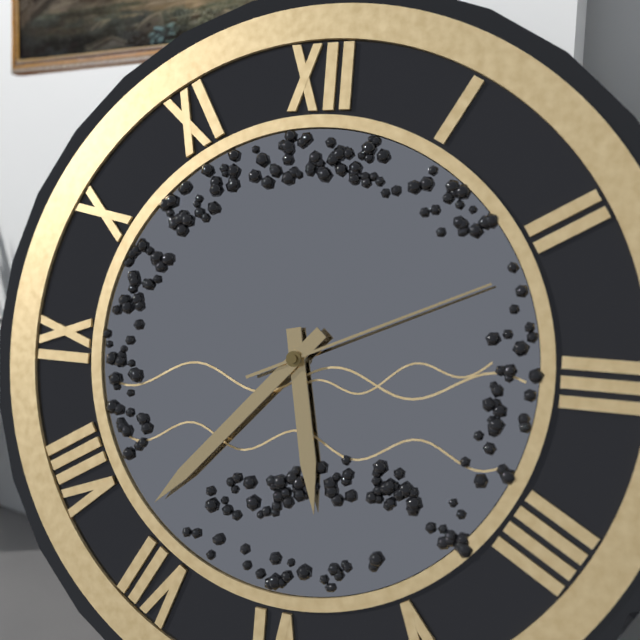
5:37:11
